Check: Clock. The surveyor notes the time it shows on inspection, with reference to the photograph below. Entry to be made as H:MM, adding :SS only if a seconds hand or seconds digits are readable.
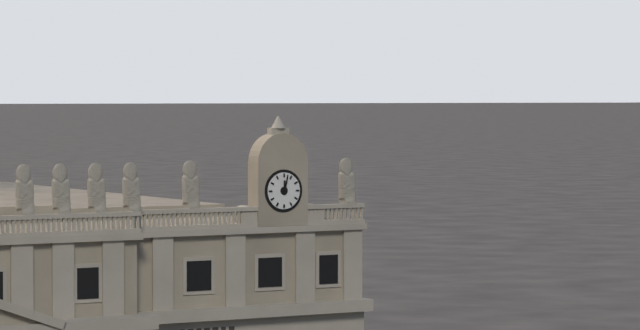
12:02
